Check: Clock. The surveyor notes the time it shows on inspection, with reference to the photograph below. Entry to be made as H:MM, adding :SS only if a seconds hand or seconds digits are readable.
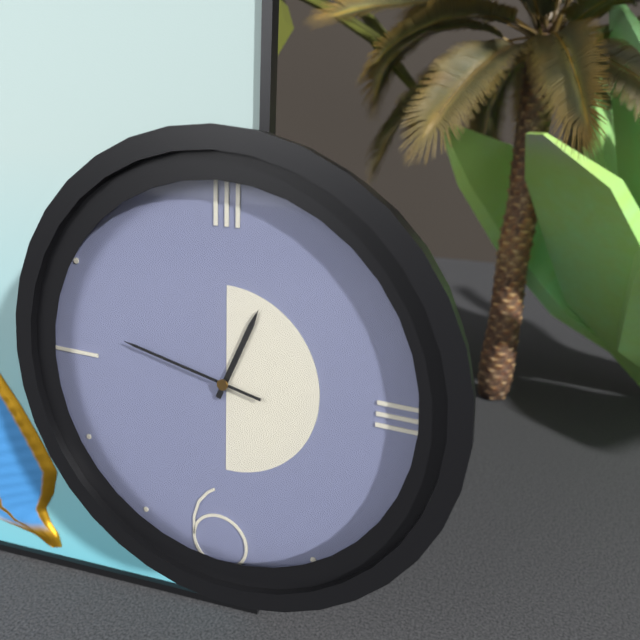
12:47
